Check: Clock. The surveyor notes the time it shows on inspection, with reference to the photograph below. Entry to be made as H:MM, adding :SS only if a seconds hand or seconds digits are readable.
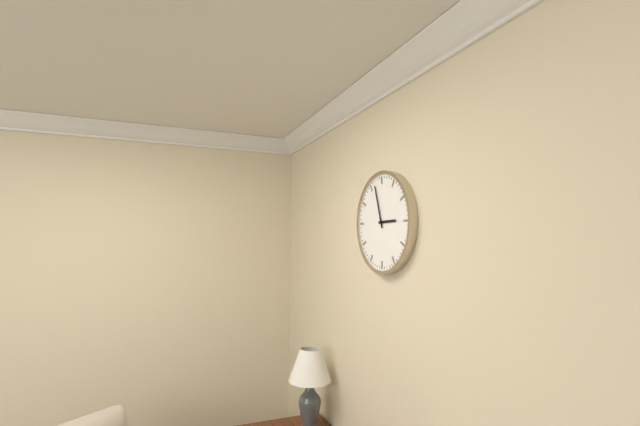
2:57
